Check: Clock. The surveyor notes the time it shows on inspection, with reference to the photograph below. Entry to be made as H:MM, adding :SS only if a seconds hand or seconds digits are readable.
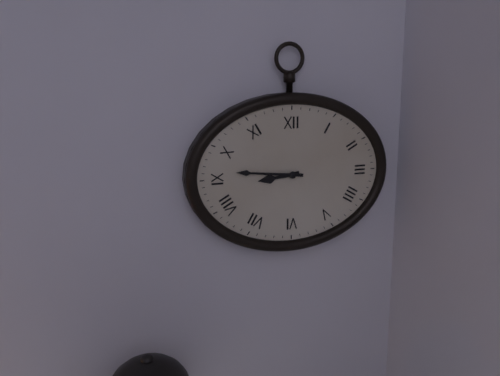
8:46
